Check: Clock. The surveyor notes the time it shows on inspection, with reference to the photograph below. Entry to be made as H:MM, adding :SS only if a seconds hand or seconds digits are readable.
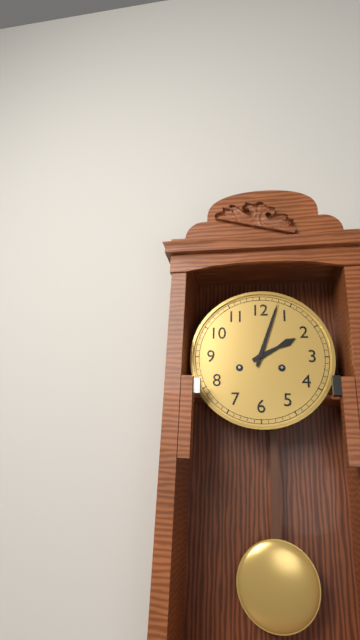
2:03
